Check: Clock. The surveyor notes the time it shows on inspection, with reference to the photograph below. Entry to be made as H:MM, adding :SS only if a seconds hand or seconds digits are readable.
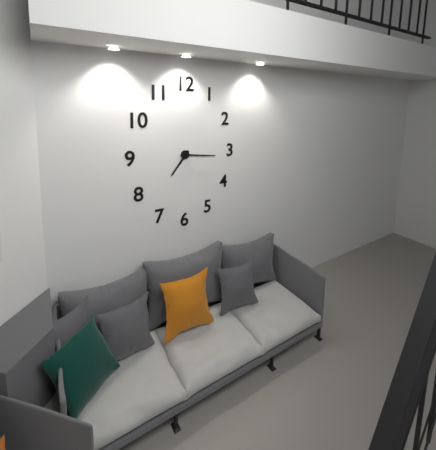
7:16
